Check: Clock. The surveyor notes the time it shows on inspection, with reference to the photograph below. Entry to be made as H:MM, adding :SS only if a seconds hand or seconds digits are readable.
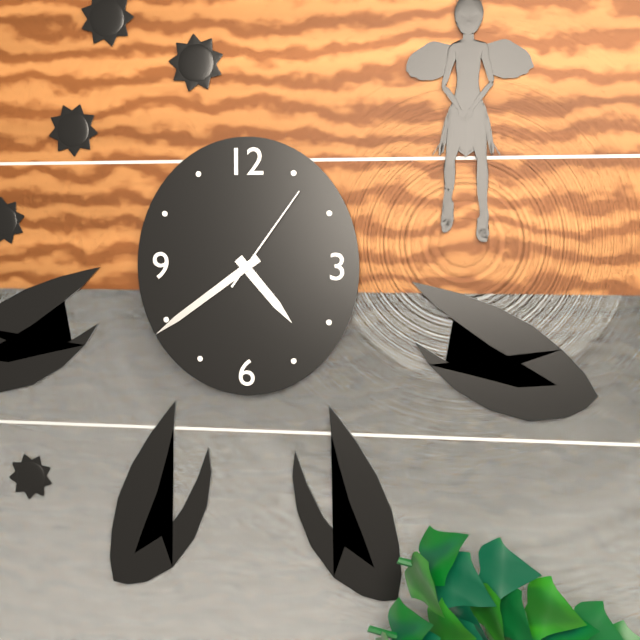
4:39:06
